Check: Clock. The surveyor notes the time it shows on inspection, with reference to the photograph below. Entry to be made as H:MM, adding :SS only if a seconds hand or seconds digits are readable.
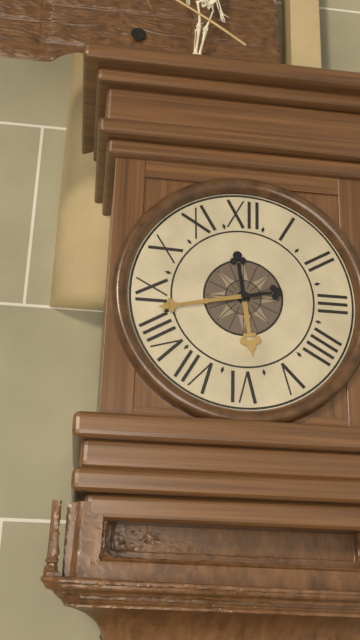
5:43
